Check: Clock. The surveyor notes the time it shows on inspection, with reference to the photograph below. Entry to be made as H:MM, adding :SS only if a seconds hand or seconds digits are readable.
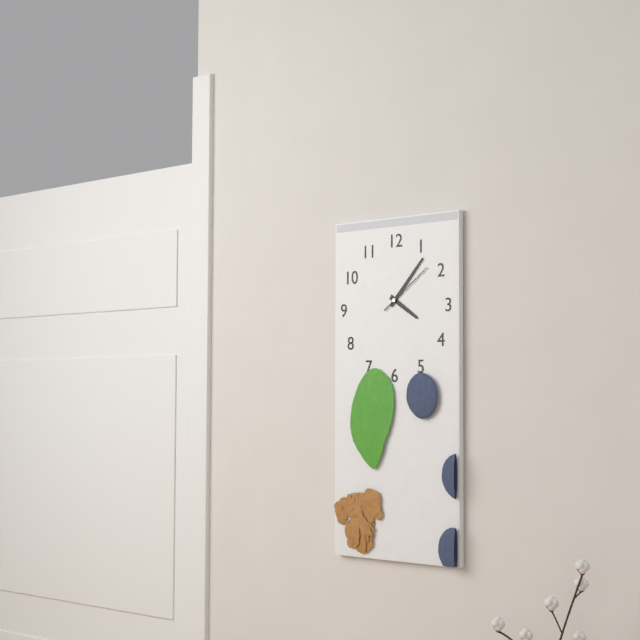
4:07:09
